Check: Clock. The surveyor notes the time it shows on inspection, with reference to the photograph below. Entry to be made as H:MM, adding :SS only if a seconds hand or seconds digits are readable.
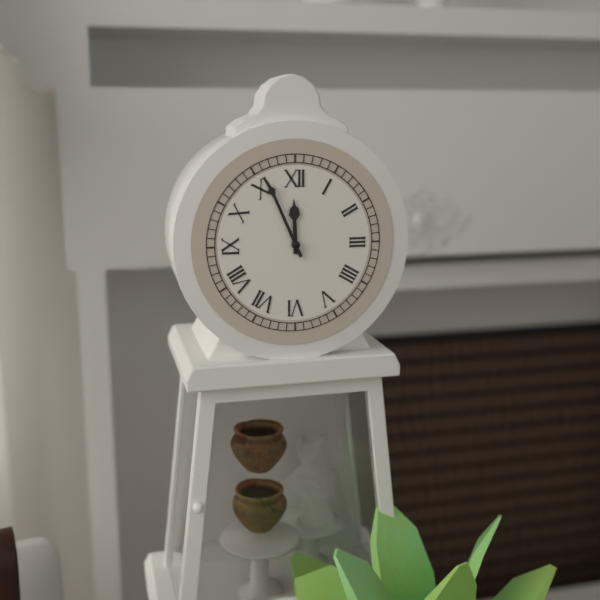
11:56
